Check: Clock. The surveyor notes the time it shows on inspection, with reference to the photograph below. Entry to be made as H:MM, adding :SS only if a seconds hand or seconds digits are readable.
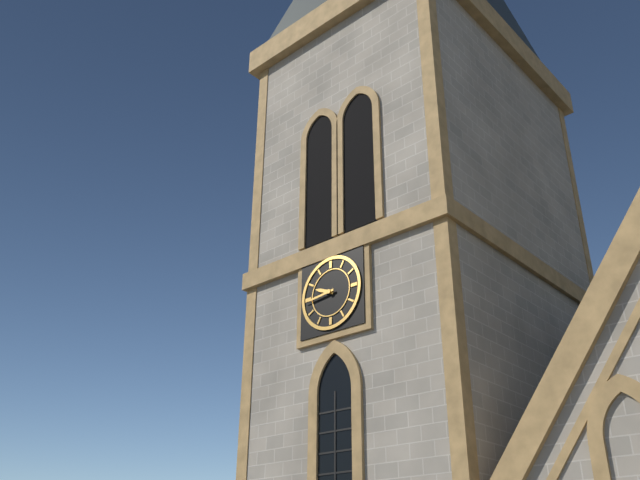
9:44
